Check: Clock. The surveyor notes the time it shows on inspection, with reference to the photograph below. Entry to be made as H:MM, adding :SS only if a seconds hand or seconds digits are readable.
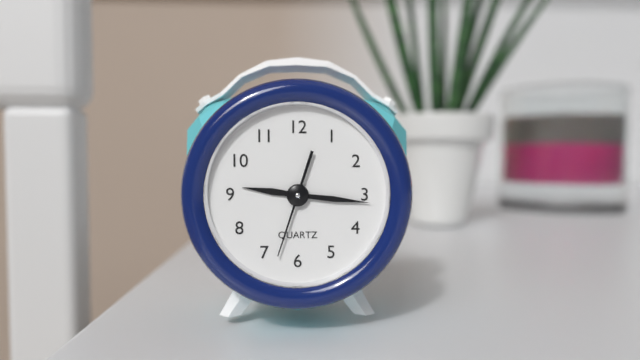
9:16:33
